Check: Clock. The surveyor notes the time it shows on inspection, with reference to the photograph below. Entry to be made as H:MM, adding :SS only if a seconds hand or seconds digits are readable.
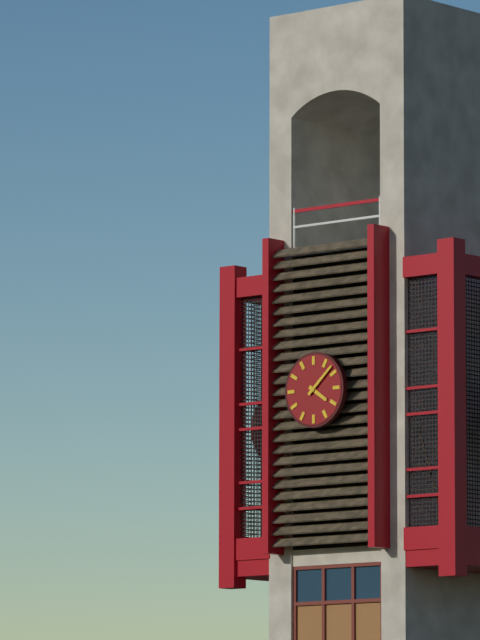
4:08
